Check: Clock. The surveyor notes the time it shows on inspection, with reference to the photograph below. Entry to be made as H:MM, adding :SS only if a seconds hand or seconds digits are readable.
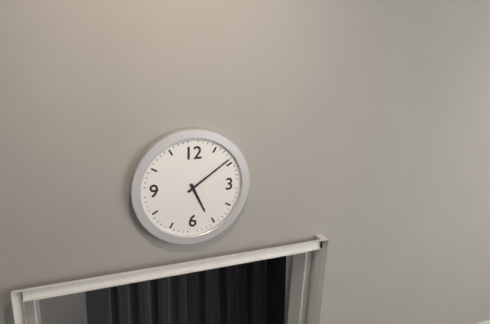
5:09
